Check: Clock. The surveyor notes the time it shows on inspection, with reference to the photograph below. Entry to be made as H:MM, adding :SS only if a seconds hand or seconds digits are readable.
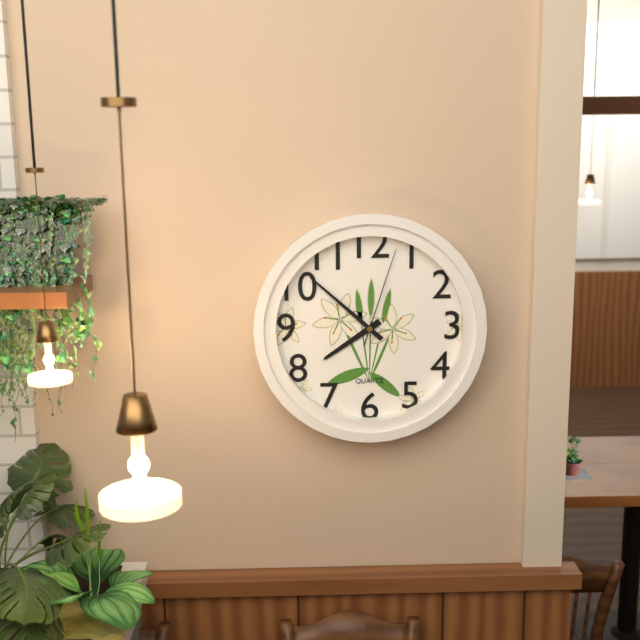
7:52:03
